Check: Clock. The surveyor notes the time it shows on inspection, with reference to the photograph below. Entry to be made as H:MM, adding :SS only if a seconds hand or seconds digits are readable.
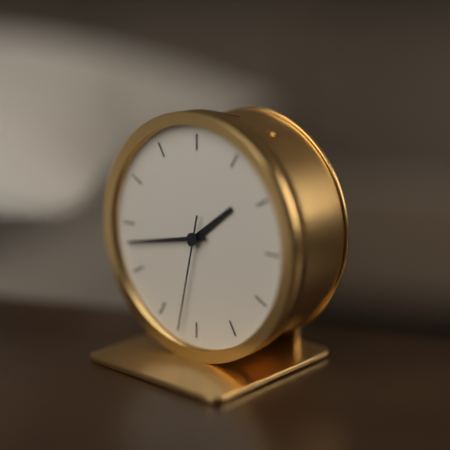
1:43:32
